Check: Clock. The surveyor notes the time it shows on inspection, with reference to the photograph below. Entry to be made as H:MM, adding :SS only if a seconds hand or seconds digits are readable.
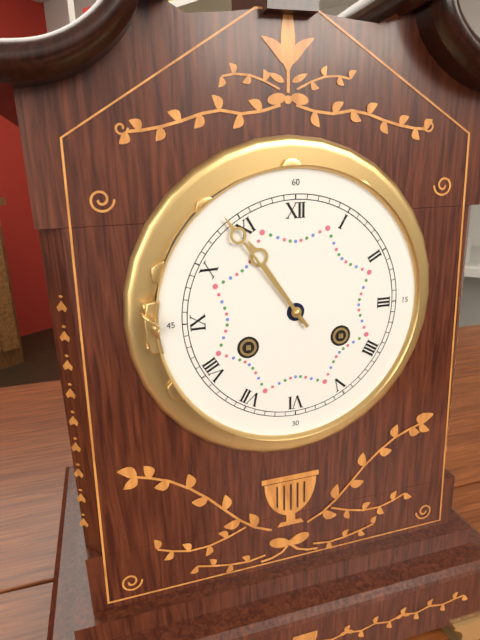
10:54
